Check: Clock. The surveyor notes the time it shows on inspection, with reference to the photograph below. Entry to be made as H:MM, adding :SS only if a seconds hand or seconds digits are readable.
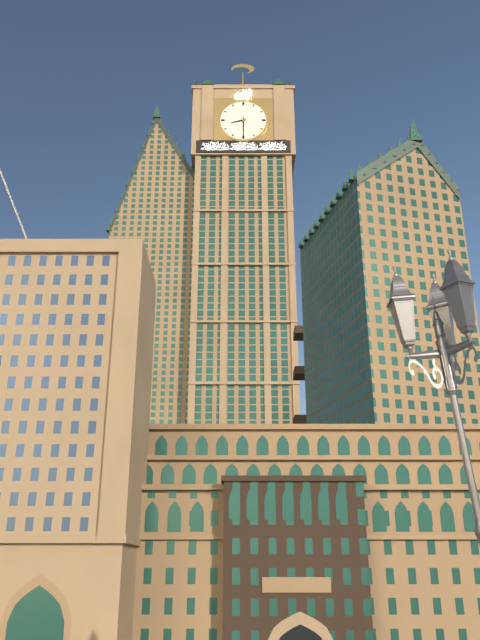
8:30
